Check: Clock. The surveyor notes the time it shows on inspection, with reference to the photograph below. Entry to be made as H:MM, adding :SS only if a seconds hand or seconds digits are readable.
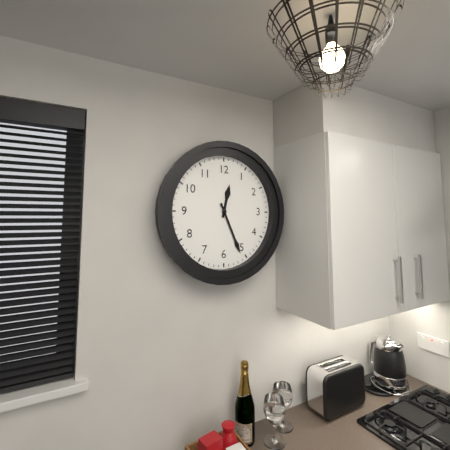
12:26
